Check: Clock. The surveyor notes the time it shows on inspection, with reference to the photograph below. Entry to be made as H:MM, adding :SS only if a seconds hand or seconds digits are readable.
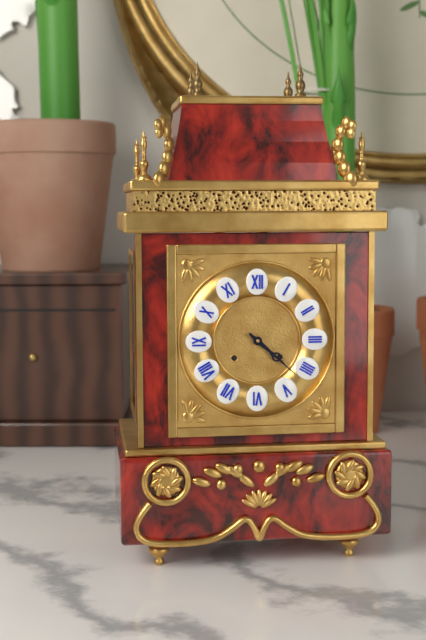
4:22
